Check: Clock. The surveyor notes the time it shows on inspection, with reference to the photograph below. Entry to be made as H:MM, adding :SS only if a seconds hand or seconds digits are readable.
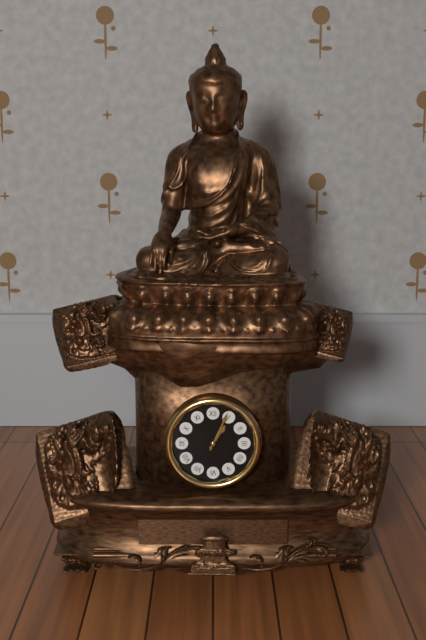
1:04
